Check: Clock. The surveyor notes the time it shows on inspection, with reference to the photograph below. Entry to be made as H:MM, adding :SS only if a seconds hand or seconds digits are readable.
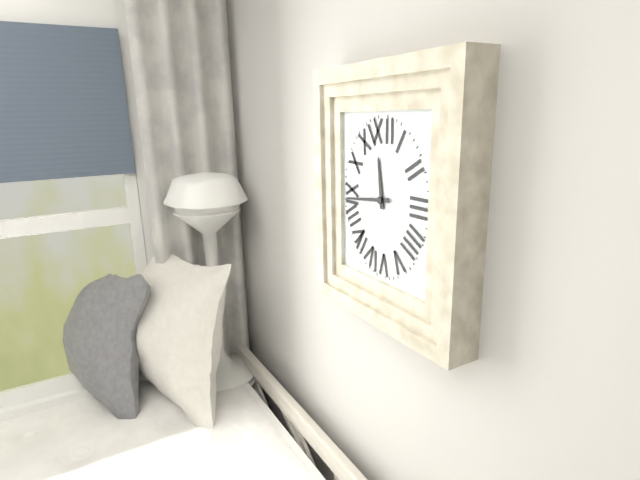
11:44
